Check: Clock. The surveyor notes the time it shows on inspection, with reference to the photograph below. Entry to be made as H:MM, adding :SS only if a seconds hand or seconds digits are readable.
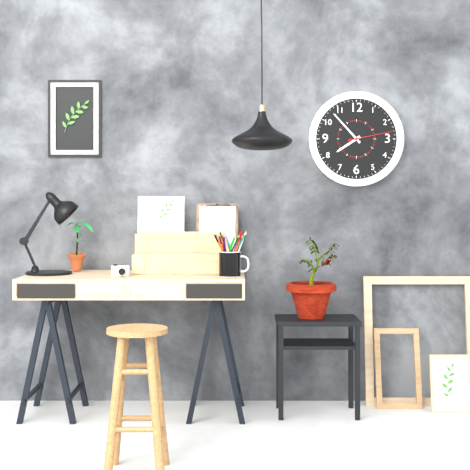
7:53
